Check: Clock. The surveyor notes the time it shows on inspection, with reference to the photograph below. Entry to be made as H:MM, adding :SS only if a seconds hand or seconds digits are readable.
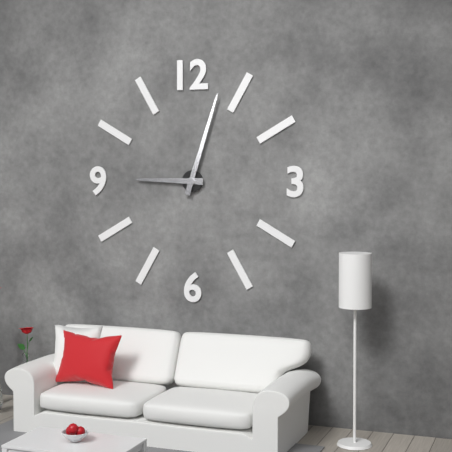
9:03
